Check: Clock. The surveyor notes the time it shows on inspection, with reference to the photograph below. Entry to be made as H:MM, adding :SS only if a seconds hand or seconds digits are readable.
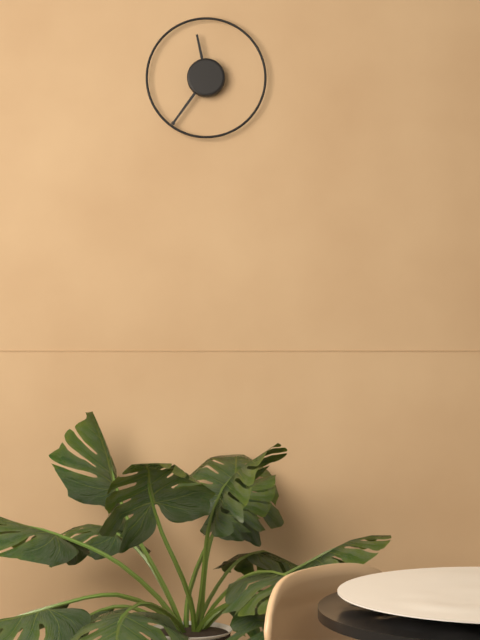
11:36
